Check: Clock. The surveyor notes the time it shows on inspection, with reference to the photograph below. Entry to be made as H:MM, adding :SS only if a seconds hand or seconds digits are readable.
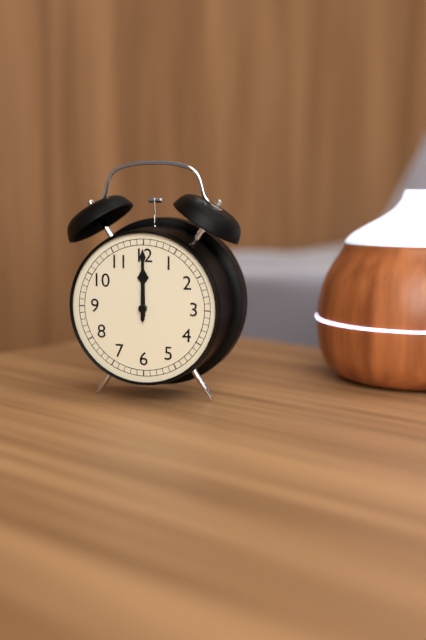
12:00
